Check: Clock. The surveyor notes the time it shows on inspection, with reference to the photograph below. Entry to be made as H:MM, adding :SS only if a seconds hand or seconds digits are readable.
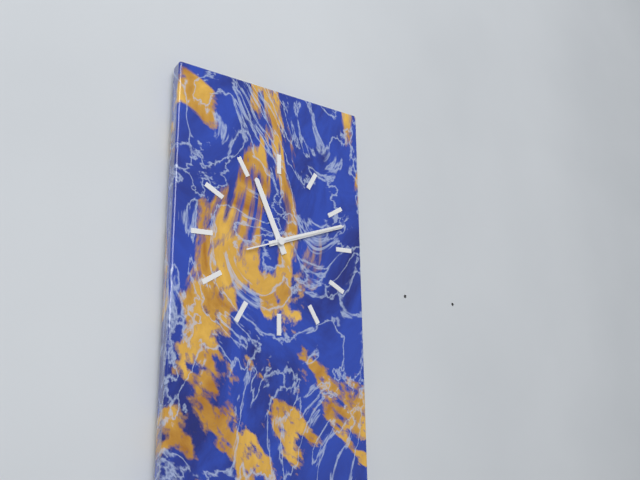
11:12:12
